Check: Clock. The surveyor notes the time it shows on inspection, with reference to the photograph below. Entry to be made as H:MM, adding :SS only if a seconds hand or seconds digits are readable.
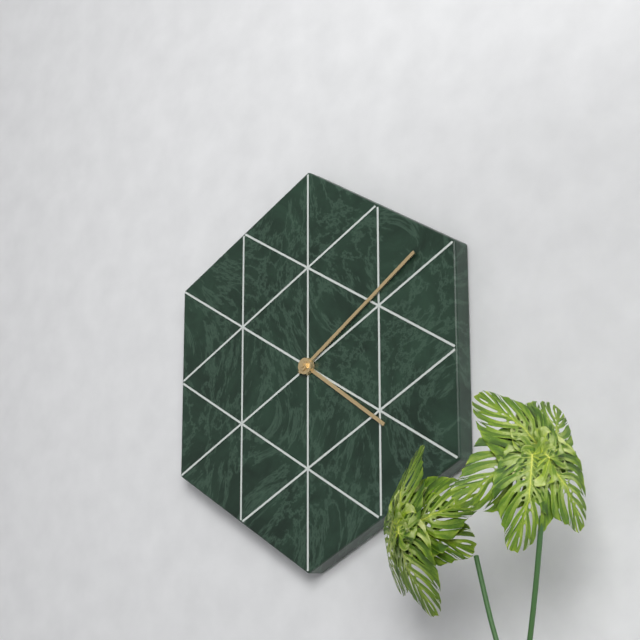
4:09
